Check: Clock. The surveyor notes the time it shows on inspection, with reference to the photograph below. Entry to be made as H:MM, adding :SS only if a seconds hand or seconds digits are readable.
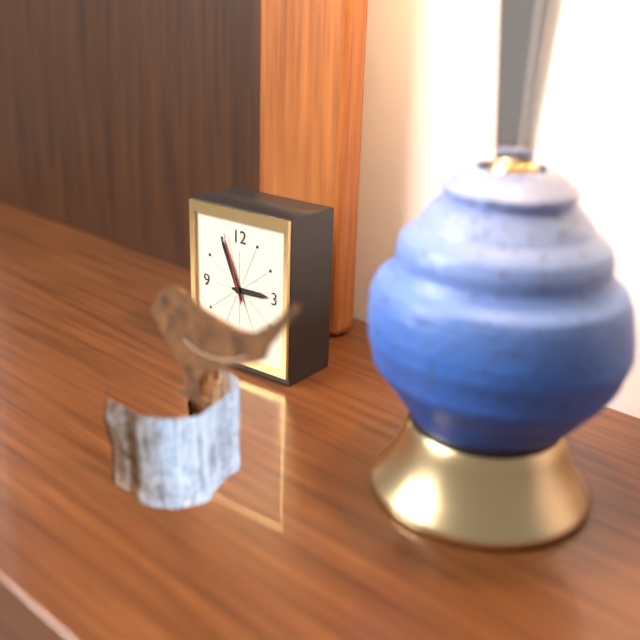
2:56:57
